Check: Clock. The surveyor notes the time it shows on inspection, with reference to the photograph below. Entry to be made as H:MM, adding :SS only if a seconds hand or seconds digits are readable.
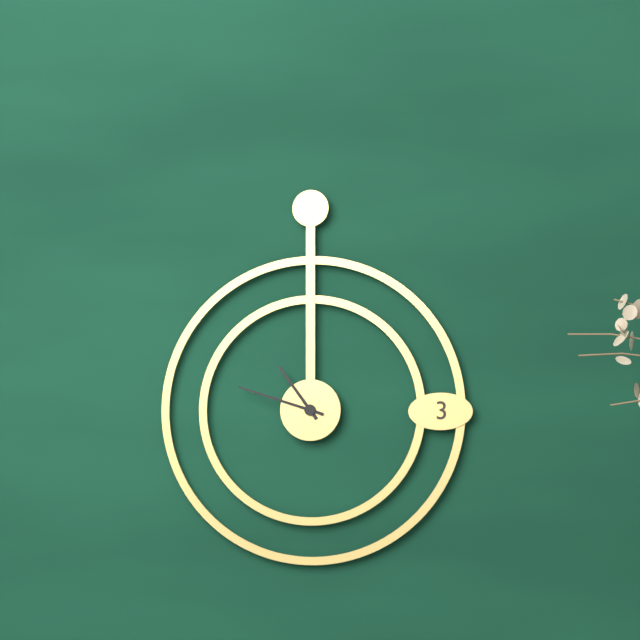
10:48
